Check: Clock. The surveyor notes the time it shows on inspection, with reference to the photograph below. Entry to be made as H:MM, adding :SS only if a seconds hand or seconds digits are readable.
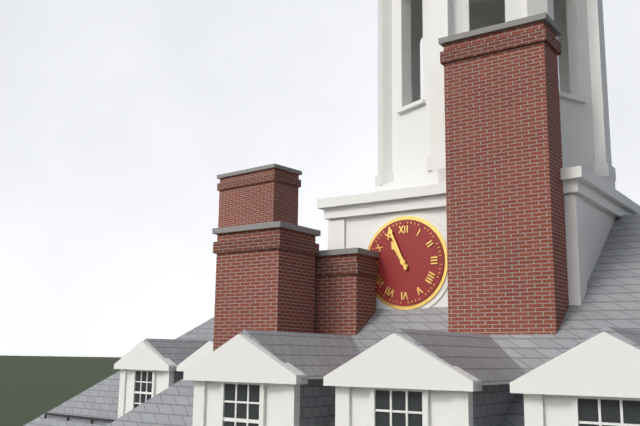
10:56
